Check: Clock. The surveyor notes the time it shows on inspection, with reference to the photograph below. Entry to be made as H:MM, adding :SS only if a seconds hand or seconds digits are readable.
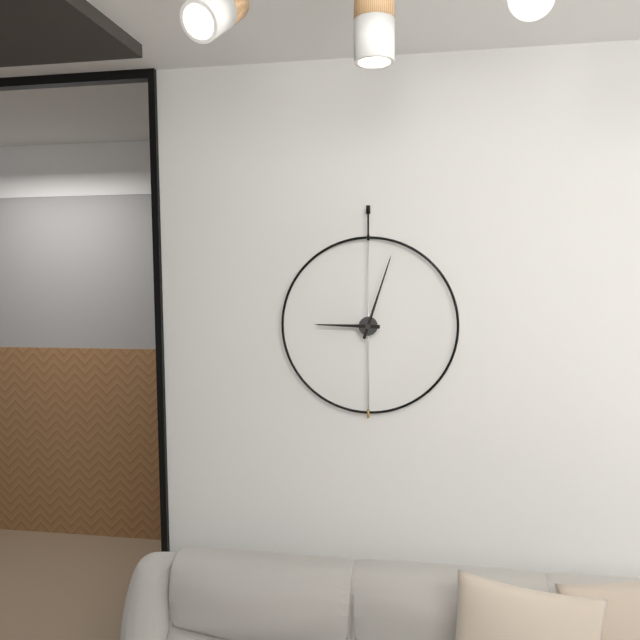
9:03
